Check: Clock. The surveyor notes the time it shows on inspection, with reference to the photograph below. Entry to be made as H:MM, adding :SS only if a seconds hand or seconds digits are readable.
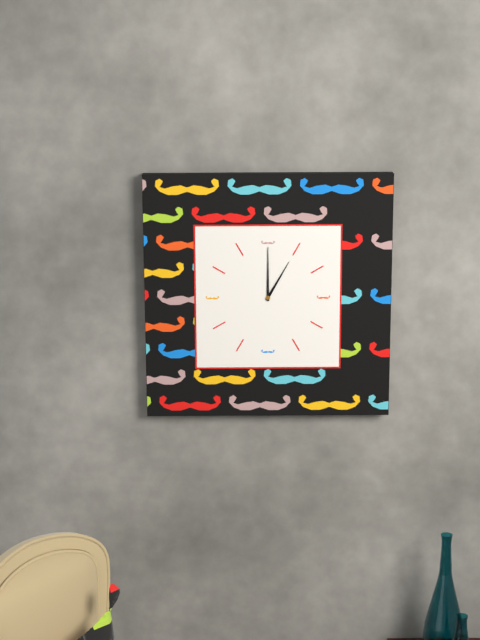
1:00
